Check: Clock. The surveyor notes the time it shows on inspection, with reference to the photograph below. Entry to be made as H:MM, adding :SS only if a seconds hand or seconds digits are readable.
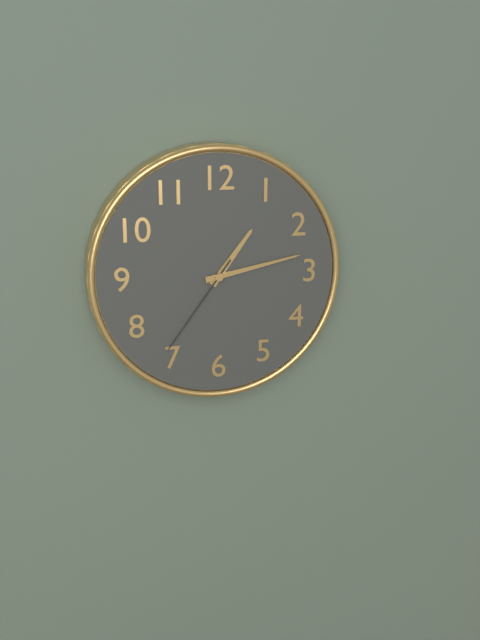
1:13:36
